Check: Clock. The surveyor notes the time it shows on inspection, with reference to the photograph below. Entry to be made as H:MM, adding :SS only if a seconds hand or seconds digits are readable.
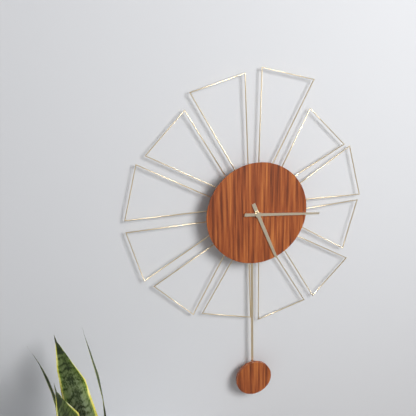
5:16
